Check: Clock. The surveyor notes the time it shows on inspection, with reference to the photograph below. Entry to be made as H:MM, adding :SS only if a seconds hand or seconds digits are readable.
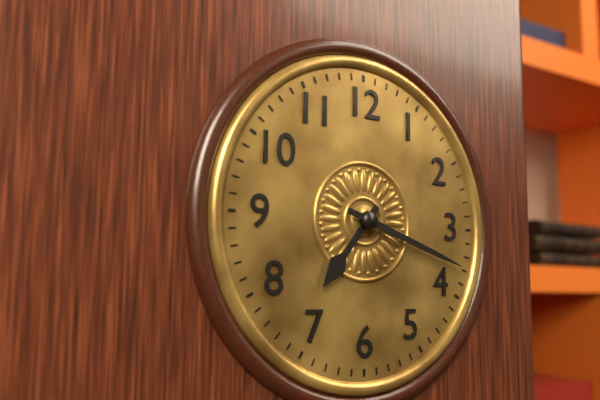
7:18
